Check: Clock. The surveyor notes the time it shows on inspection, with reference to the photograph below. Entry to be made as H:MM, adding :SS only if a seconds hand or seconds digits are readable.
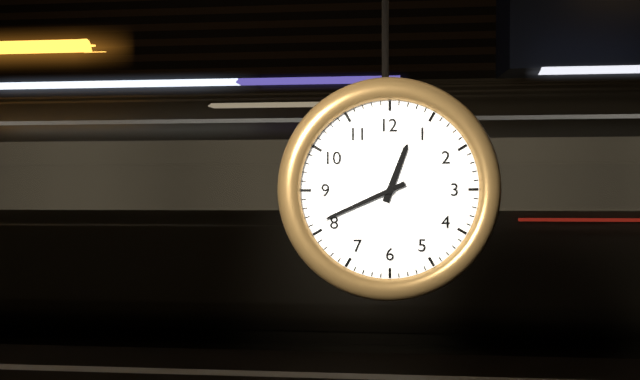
12:41
